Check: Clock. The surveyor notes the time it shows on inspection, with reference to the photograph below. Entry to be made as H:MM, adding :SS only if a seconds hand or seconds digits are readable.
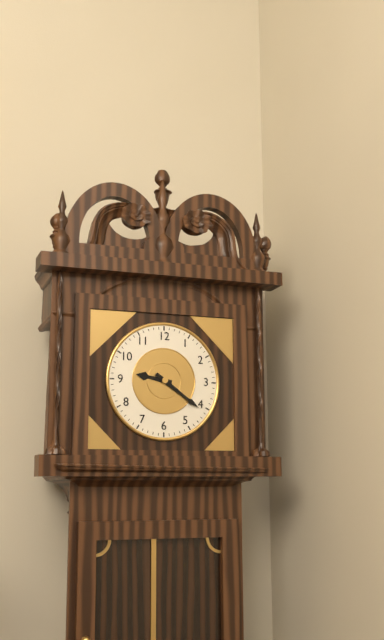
9:21
